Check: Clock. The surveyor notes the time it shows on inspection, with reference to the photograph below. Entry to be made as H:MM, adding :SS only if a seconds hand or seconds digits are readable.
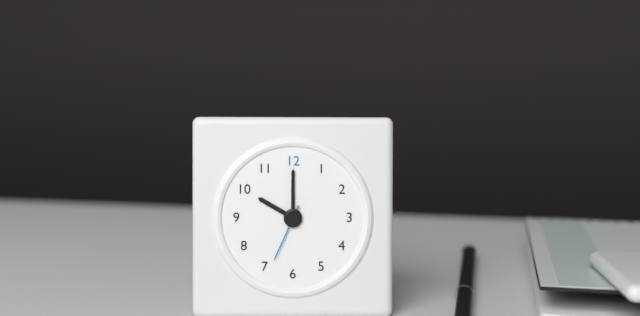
10:00:34
